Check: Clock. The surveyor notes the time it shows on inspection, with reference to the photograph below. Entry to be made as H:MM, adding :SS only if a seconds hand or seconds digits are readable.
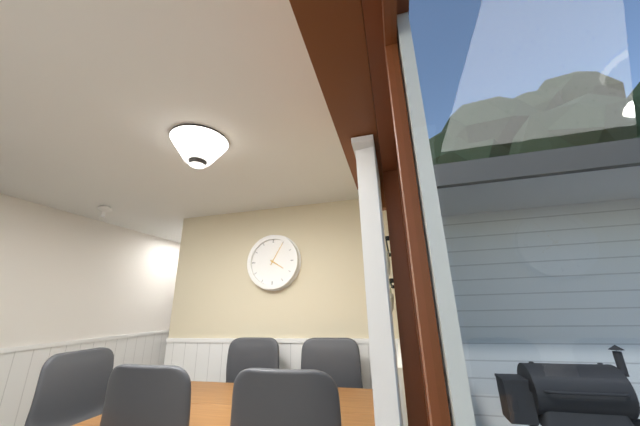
4:05
